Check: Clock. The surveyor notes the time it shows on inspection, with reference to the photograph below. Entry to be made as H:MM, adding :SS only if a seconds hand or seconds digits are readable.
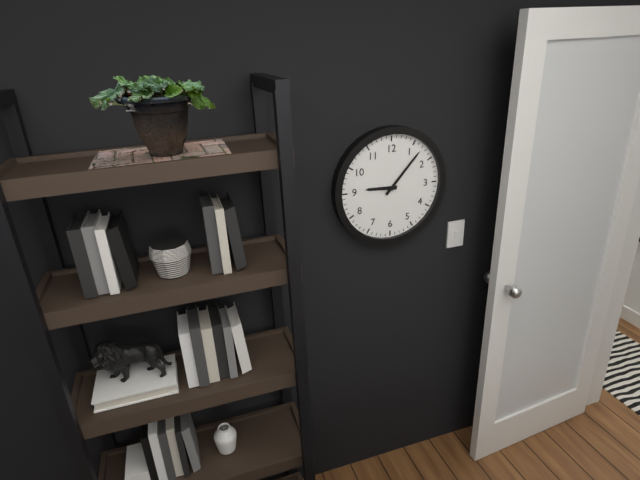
9:07
